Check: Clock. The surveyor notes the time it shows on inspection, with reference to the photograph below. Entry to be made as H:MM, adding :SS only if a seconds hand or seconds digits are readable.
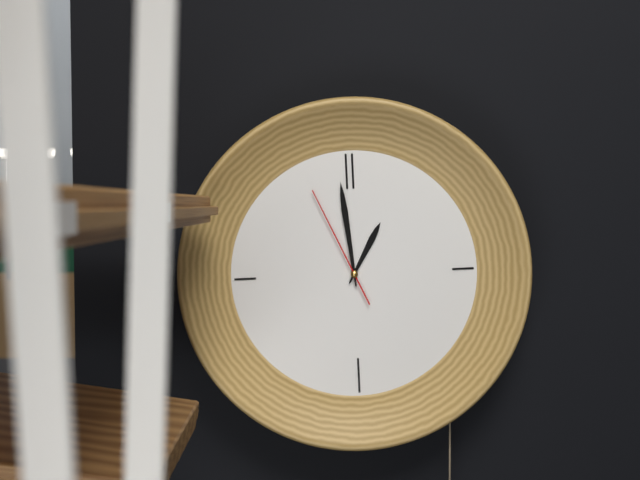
12:59:56
